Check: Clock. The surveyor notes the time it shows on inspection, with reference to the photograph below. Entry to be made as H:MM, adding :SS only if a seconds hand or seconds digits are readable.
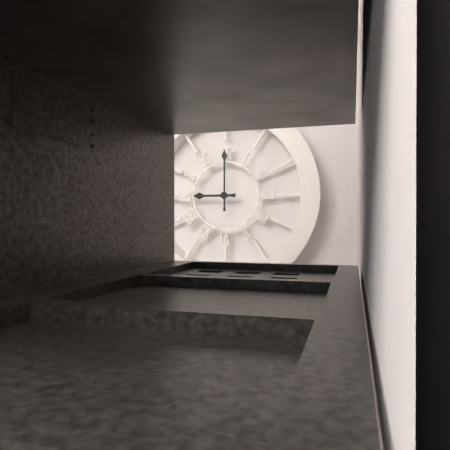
9:00
